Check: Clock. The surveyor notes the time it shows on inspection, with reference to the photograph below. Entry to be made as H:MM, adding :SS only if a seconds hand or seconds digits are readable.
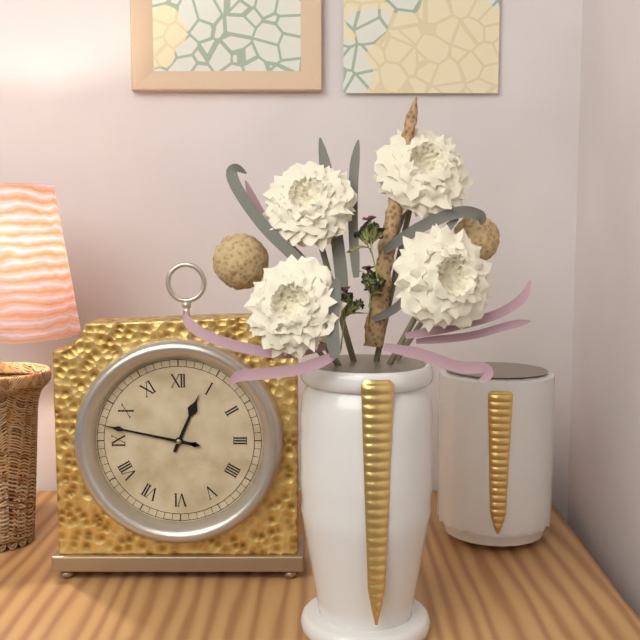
12:47
